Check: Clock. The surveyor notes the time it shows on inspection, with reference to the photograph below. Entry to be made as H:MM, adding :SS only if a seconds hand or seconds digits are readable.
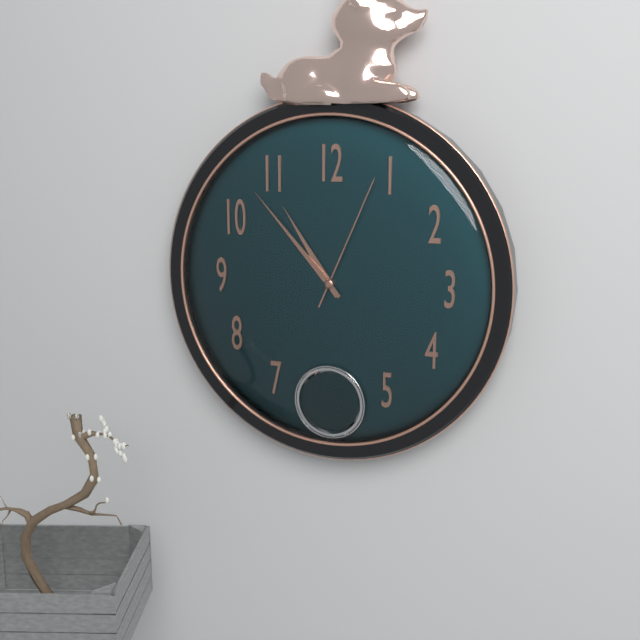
10:53:04
